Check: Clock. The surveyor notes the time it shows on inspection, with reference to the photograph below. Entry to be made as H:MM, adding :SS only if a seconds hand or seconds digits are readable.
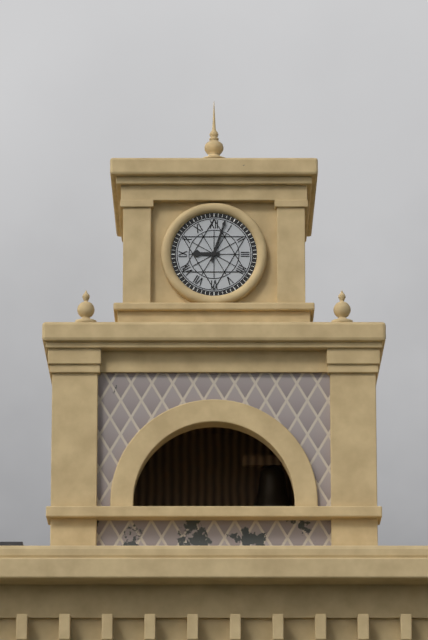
9:03
